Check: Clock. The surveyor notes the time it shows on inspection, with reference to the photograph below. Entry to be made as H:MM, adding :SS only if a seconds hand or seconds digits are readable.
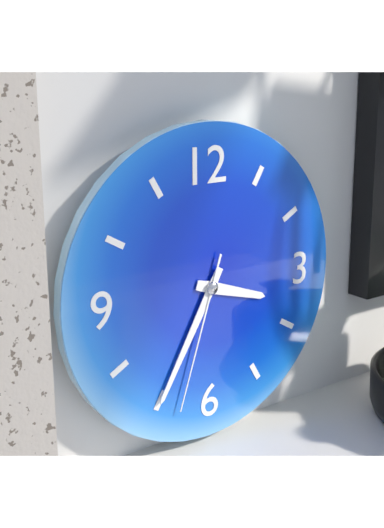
3:35:33
